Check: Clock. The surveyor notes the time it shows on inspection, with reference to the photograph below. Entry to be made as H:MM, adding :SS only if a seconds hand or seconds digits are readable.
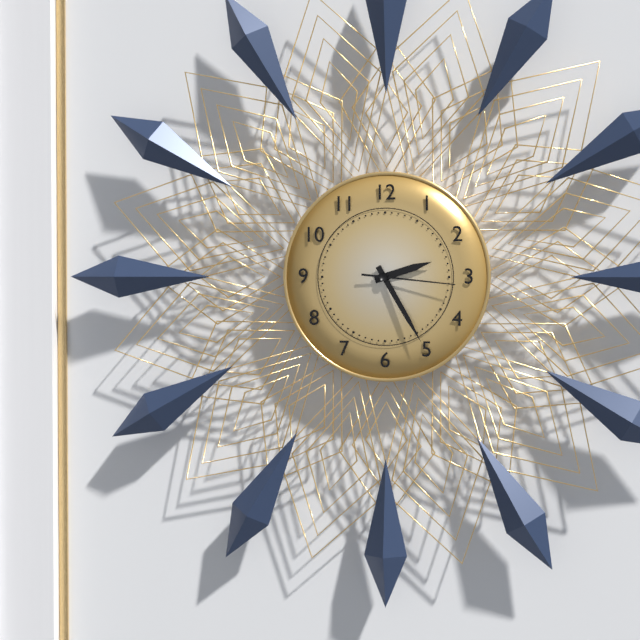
2:25:16
